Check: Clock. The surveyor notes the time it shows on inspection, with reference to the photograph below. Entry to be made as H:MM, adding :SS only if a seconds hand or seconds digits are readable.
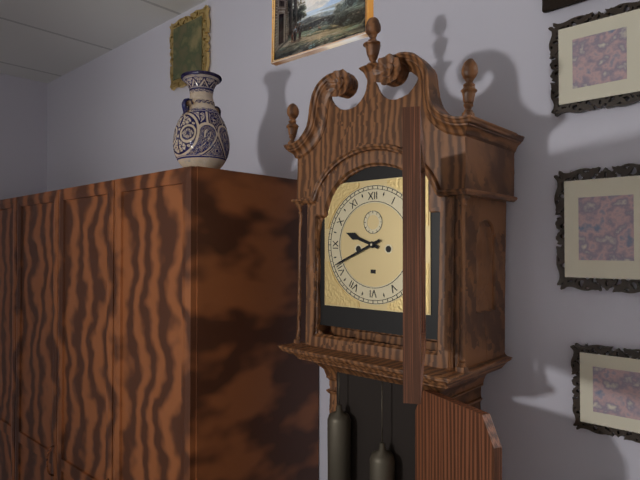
9:41
